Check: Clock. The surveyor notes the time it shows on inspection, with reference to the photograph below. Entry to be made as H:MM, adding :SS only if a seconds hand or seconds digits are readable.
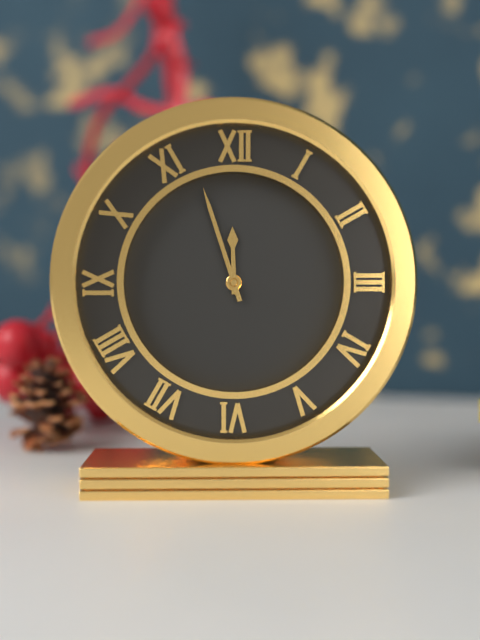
11:57
